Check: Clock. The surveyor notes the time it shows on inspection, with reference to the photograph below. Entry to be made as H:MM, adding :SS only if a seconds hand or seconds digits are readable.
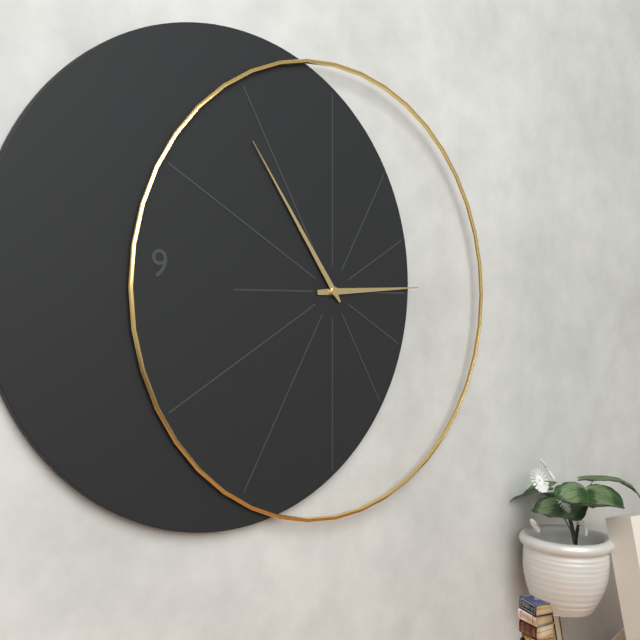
2:54
